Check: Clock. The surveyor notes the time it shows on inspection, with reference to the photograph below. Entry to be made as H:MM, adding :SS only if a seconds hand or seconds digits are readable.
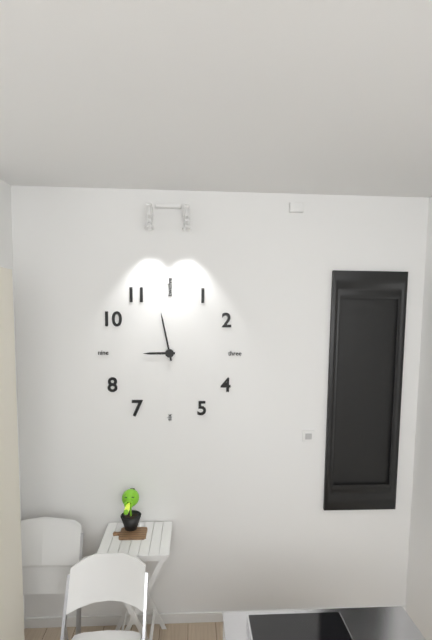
8:58
